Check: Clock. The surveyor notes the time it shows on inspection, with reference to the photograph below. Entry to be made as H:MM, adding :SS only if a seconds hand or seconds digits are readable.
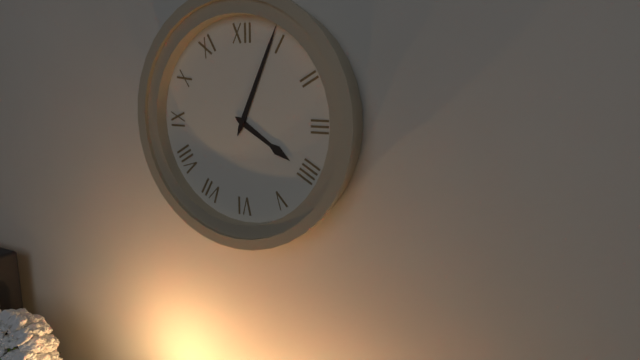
4:04
